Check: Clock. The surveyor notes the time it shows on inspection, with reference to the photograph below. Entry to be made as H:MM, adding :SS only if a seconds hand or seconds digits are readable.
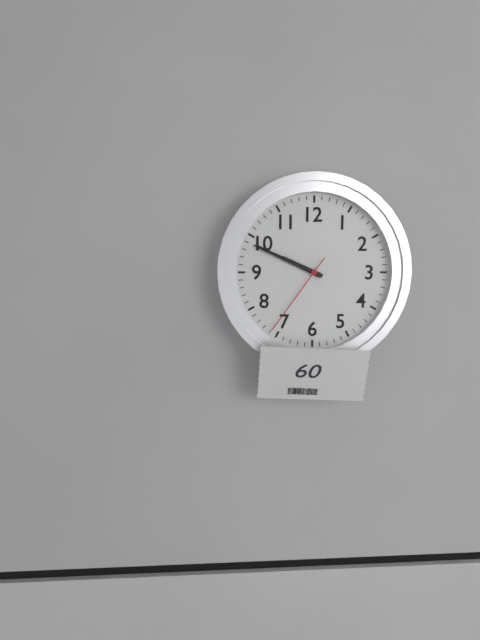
9:49:36
